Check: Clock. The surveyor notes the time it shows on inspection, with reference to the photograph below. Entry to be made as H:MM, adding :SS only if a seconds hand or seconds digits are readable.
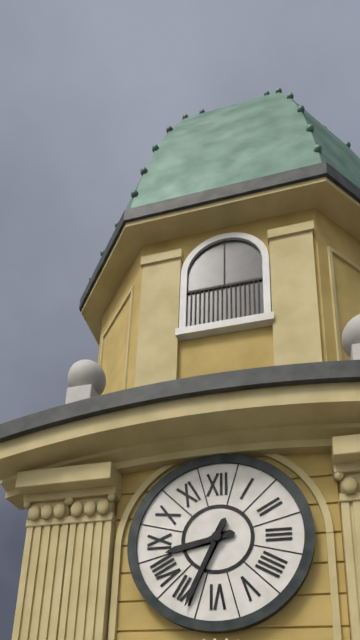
8:34
